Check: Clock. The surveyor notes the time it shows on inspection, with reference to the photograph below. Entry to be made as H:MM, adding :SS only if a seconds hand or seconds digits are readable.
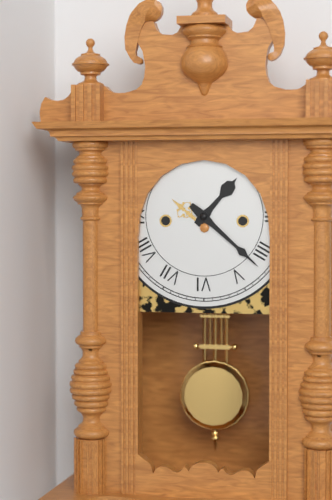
1:22
